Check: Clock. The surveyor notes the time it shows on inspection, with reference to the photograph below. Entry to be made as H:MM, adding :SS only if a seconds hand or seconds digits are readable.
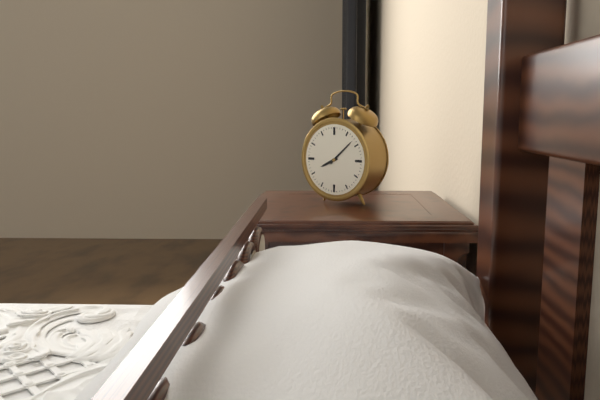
8:08
